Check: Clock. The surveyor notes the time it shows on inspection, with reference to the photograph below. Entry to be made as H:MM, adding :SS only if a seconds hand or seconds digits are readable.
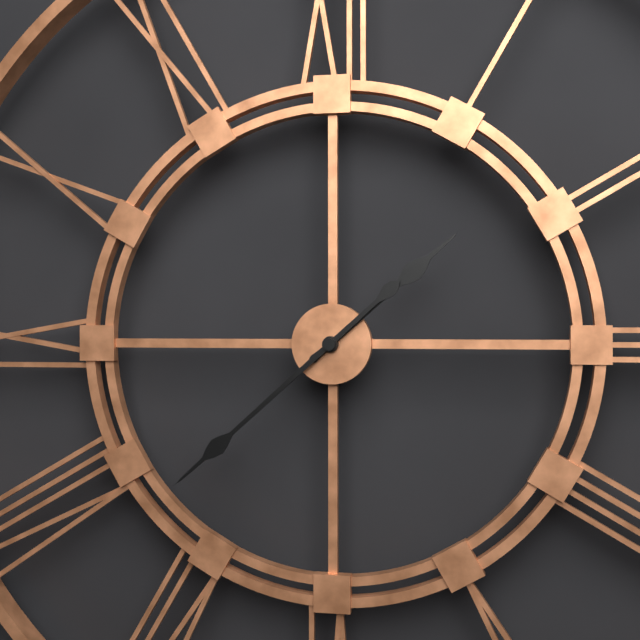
1:38
